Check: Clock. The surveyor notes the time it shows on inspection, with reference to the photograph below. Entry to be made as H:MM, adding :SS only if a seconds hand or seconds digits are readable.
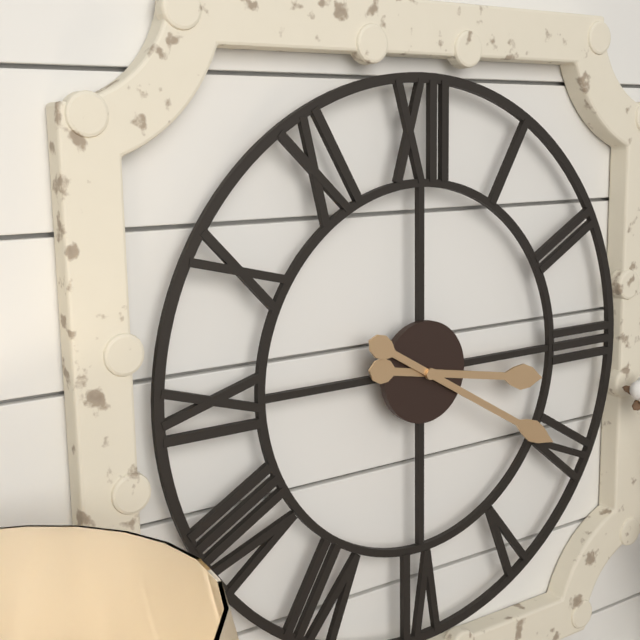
3:20
